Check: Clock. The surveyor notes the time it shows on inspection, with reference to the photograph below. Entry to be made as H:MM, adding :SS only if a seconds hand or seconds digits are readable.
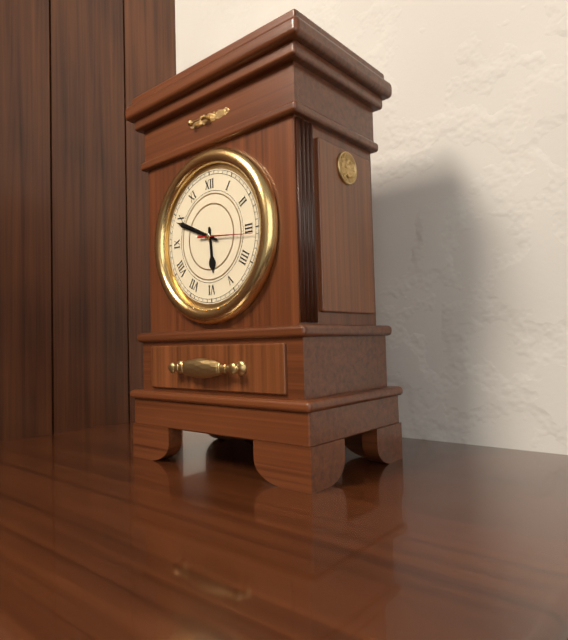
5:49
